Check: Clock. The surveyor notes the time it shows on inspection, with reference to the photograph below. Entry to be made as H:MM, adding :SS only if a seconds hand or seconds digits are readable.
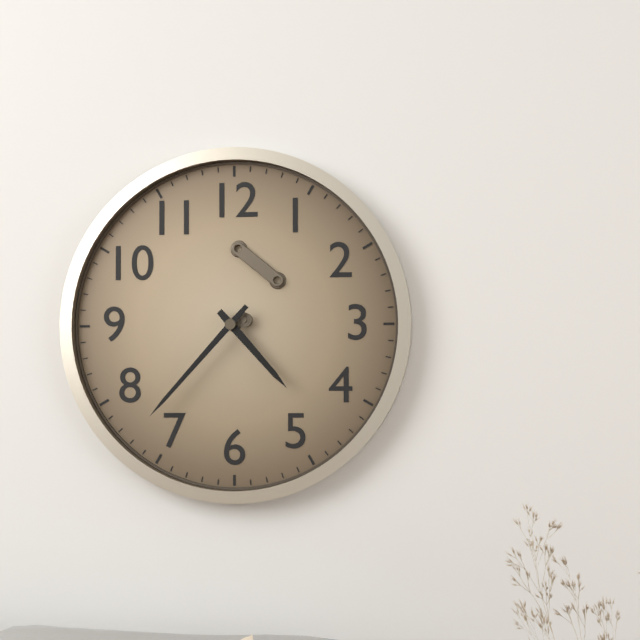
4:37
